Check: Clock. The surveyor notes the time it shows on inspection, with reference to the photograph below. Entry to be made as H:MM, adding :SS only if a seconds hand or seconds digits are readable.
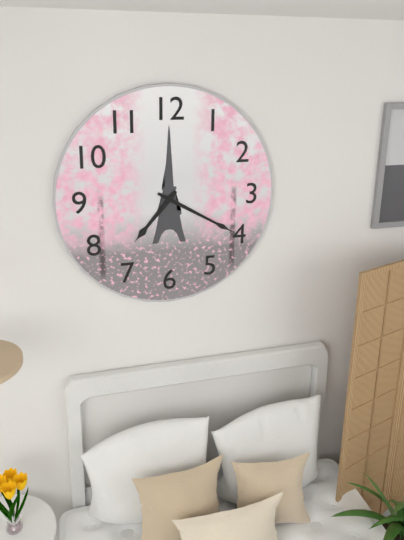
7:20
